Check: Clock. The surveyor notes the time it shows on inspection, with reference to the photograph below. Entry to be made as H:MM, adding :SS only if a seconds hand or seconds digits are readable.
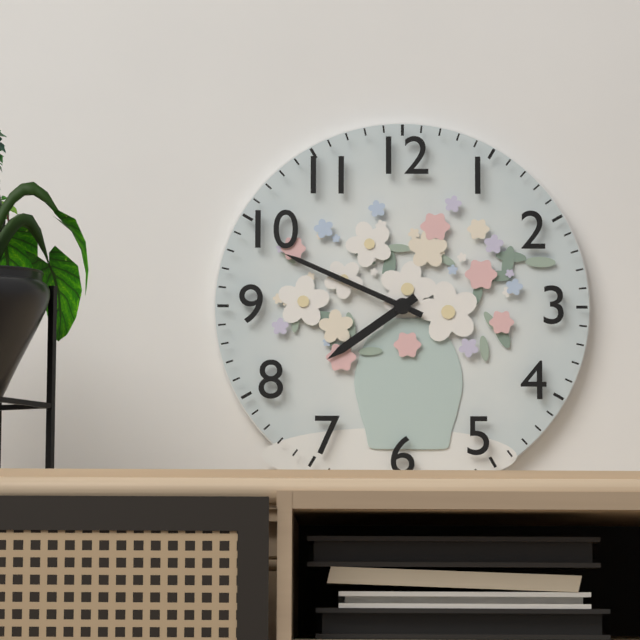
7:49
